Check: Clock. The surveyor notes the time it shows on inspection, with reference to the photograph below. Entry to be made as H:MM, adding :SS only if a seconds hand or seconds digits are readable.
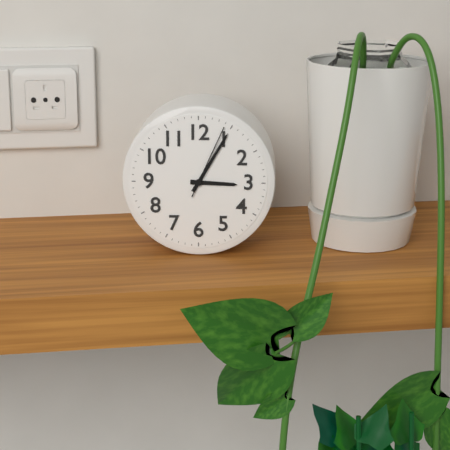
3:05:04
